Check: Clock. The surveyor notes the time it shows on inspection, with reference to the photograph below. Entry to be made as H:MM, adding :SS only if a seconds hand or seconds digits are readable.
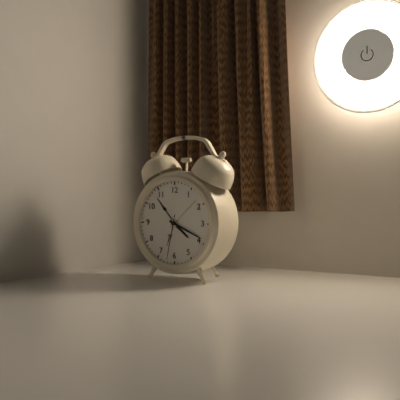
4:19
